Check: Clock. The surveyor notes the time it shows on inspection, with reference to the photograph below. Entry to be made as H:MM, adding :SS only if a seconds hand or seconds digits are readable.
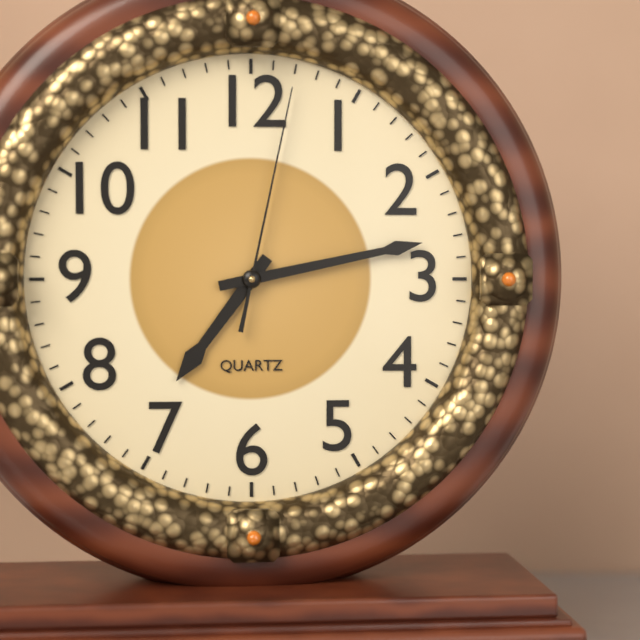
7:13:02
